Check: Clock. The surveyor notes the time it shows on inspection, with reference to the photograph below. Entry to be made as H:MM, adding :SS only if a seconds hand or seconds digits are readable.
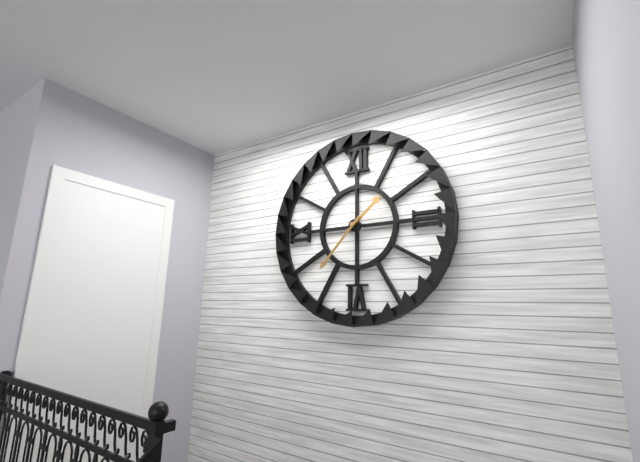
1:37
